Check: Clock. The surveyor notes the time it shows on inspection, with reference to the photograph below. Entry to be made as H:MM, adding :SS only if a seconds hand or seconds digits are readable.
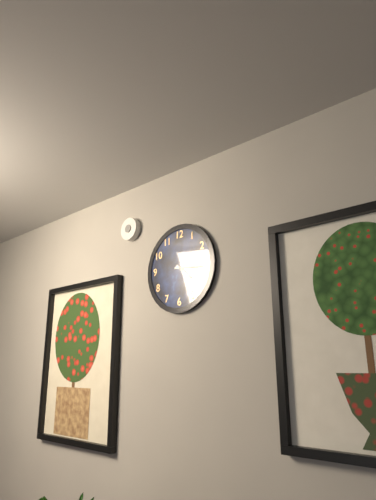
4:16
